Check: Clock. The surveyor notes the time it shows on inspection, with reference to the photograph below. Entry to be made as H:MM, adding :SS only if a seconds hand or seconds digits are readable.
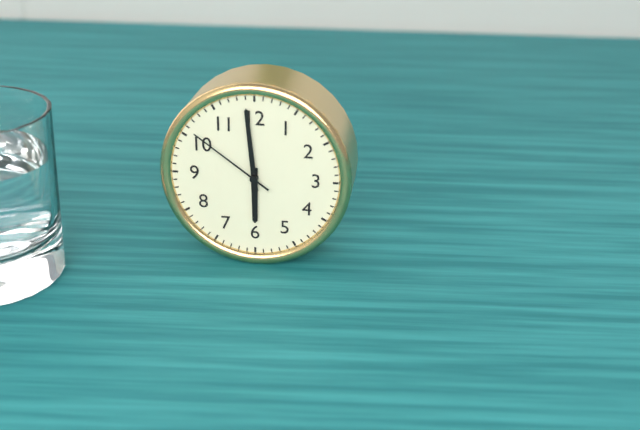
5:59:51
